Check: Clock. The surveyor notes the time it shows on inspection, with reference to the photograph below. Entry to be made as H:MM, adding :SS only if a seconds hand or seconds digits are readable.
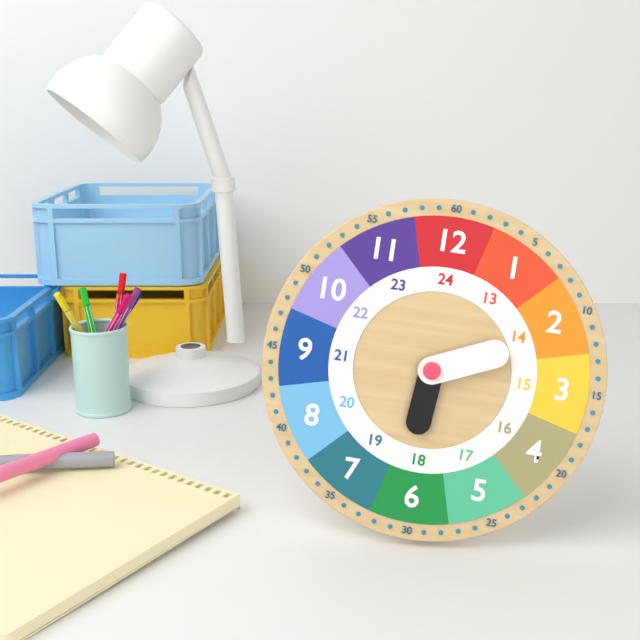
6:11
